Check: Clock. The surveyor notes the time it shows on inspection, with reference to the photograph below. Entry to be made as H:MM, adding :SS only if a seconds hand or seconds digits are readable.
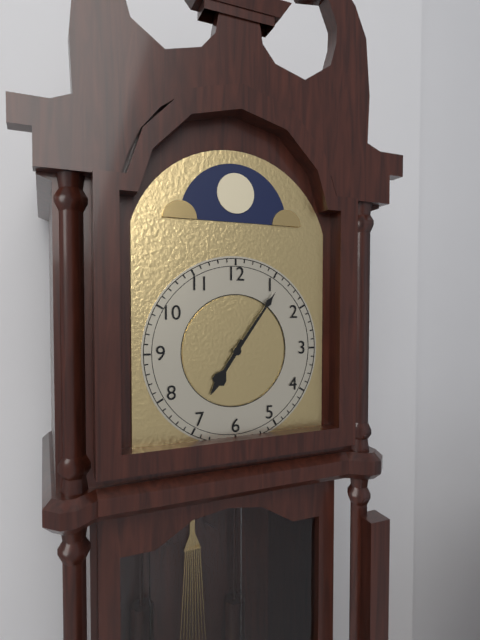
7:06
